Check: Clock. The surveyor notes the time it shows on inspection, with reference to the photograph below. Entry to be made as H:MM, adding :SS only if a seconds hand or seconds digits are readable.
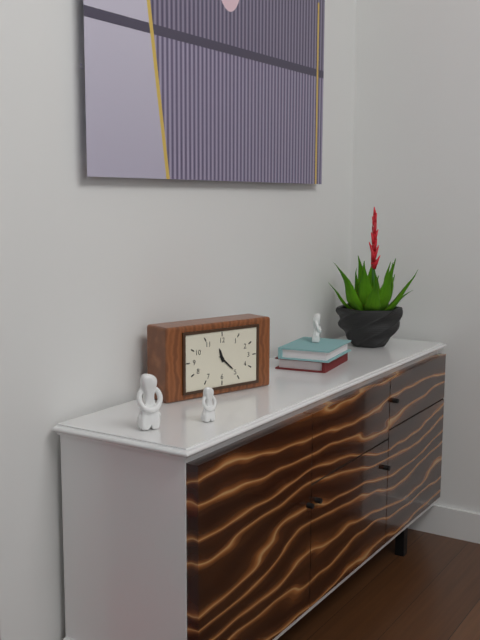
11:22
